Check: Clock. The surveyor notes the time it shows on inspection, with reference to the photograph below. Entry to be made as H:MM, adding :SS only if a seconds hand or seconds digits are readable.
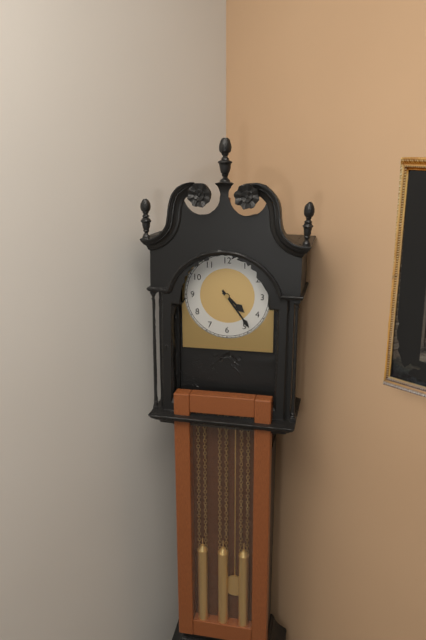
4:24
